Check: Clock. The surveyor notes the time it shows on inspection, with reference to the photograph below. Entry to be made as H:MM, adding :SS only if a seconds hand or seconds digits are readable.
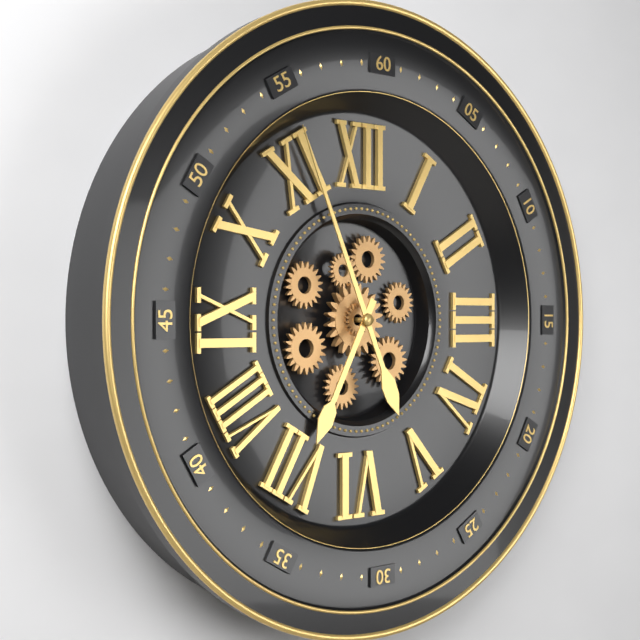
6:56
